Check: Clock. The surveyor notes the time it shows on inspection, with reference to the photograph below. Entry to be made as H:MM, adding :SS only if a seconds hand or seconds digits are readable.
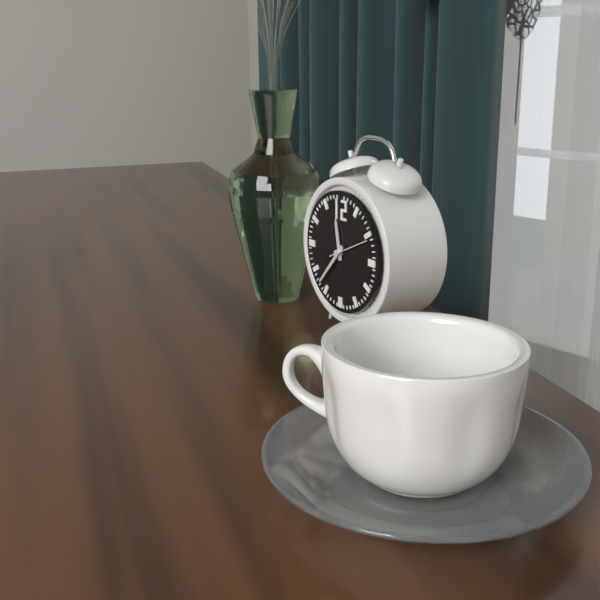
11:37
